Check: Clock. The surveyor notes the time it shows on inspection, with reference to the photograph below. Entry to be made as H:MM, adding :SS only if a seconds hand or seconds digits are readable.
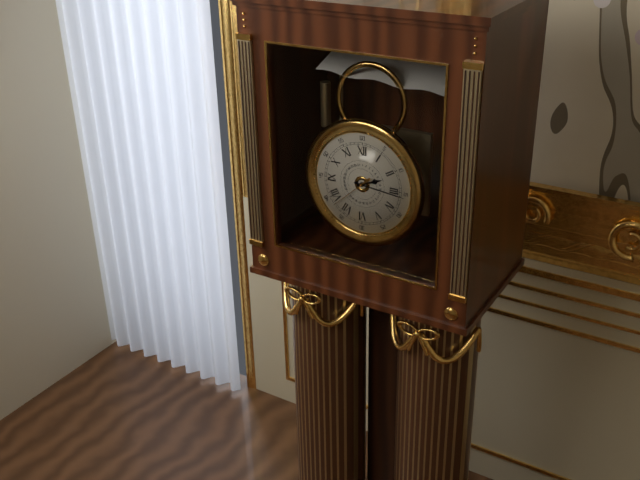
2:16
